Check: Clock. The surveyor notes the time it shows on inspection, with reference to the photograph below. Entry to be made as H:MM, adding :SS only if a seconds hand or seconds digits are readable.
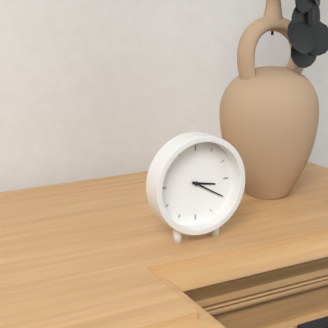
3:20
